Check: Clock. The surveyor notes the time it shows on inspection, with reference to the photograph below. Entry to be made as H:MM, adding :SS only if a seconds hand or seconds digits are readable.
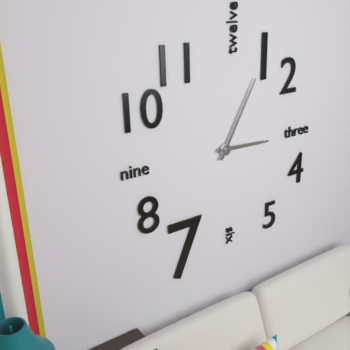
3:05
